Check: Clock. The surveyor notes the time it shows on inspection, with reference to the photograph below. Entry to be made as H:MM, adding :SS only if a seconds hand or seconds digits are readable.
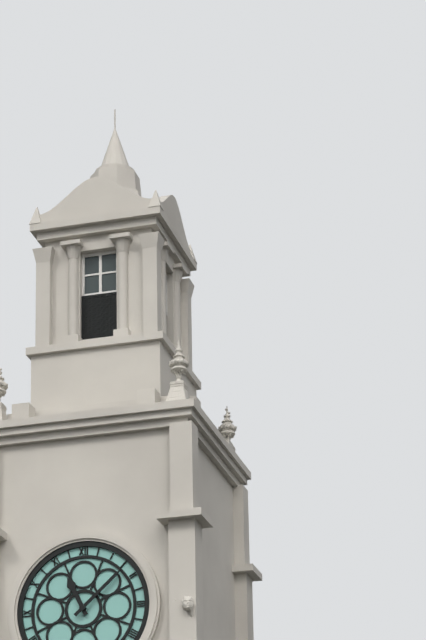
11:08
